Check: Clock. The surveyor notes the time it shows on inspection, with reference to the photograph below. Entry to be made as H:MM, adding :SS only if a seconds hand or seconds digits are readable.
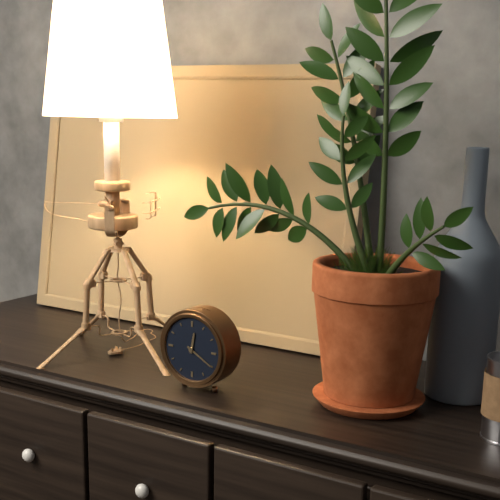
12:20
